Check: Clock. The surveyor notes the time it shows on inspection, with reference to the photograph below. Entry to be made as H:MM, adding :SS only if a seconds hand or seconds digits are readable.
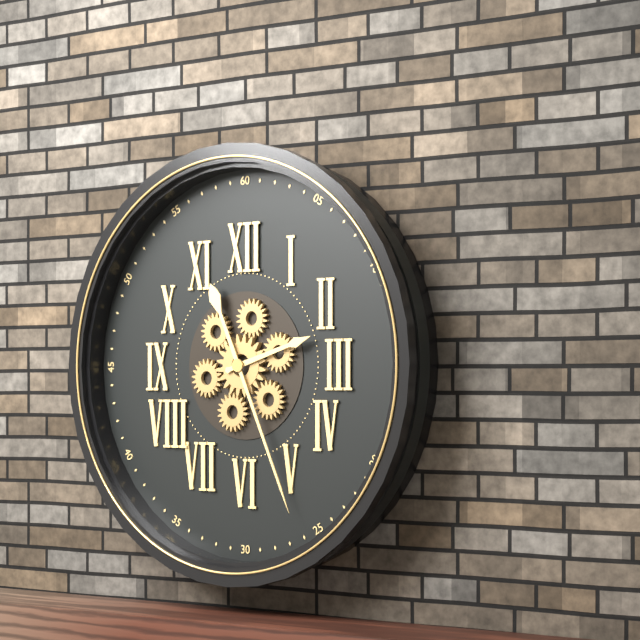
2:26
